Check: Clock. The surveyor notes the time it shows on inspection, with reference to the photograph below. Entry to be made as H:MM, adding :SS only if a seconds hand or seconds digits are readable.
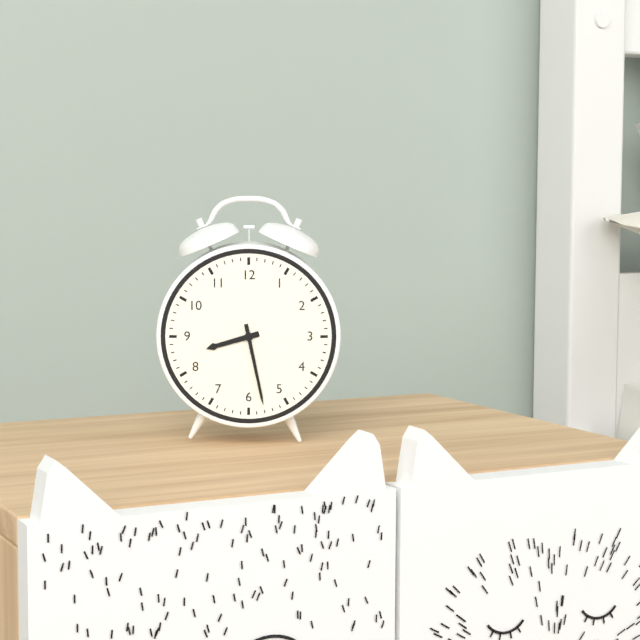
8:28
